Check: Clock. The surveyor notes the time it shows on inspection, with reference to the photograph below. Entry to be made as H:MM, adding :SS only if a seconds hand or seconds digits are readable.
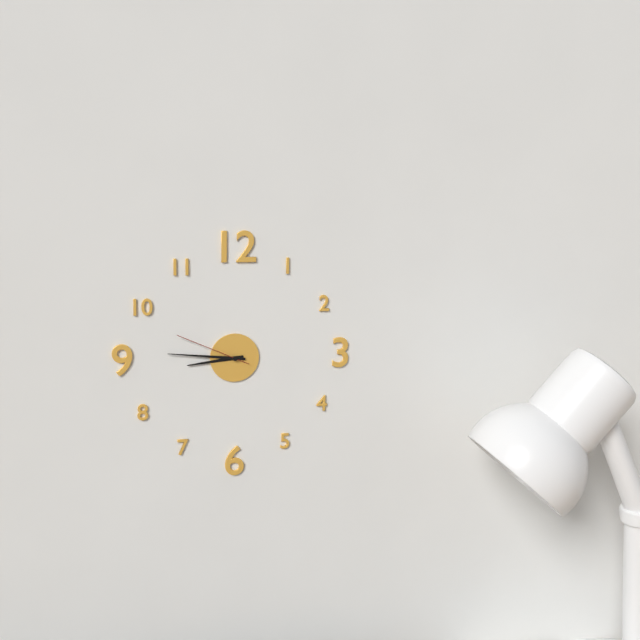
8:46:49
